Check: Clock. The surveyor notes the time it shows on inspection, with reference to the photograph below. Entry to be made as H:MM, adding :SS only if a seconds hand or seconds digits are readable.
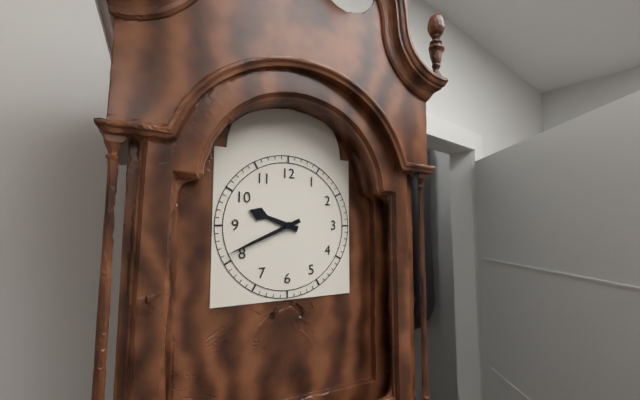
9:41
